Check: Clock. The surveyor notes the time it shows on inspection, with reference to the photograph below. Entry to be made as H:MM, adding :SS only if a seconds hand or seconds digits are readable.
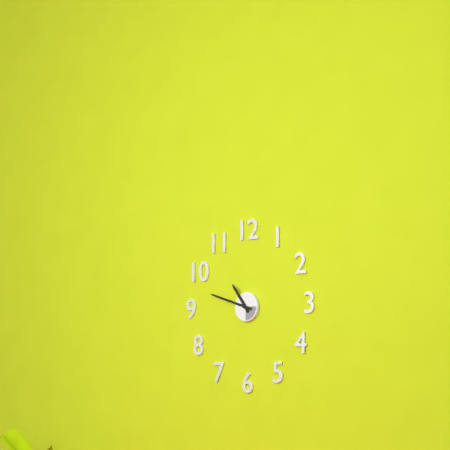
10:48
